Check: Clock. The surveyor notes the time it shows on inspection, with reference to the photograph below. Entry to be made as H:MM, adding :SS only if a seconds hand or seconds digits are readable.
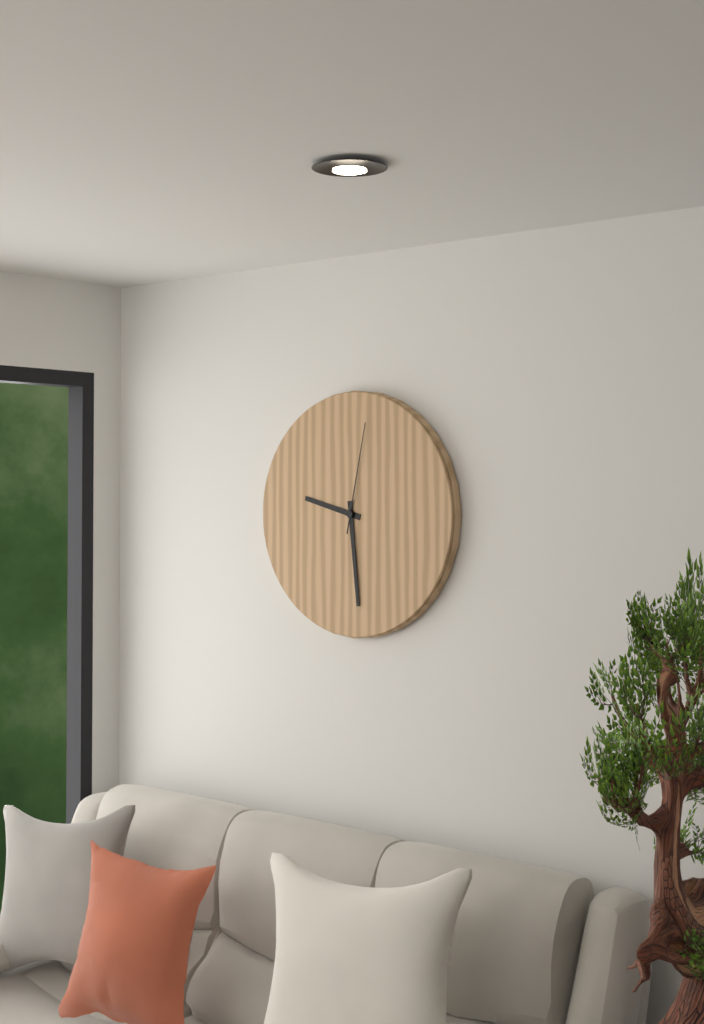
9:29:02
